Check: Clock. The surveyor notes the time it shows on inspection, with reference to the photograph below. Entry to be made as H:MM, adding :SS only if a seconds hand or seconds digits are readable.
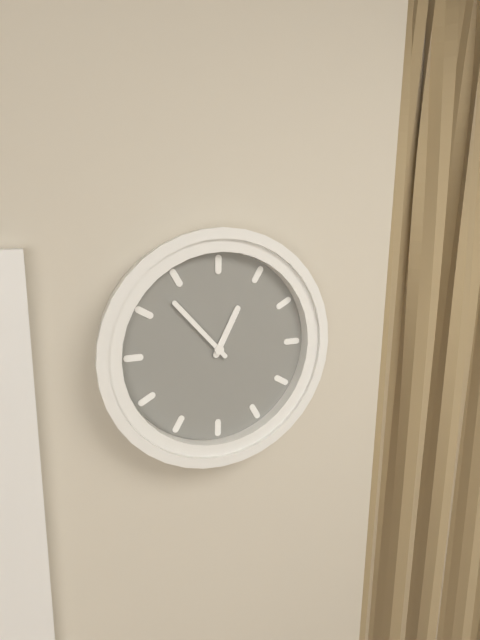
12:53
